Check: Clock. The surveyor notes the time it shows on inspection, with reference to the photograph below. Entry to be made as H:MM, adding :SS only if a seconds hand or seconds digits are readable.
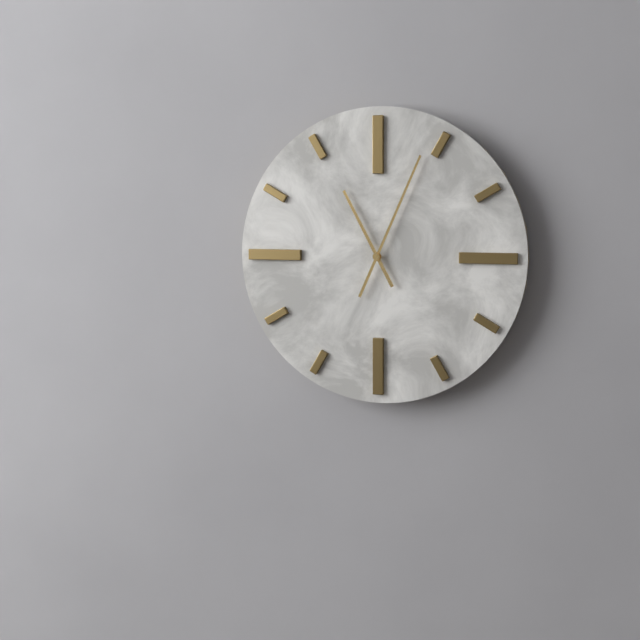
11:04
